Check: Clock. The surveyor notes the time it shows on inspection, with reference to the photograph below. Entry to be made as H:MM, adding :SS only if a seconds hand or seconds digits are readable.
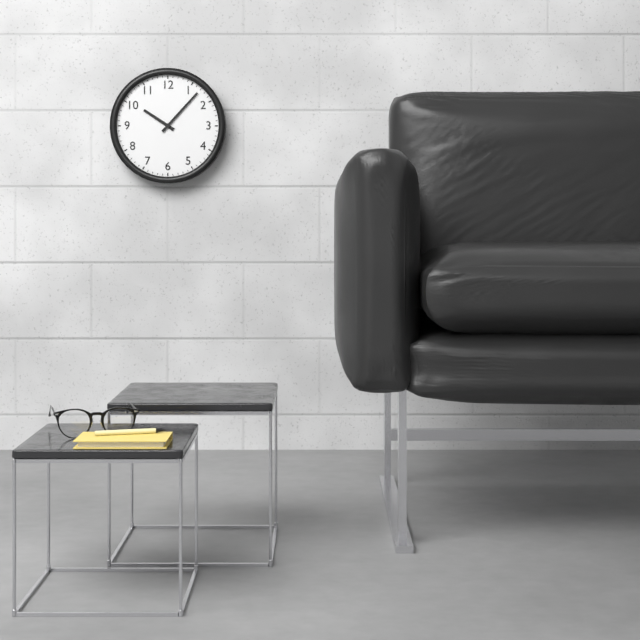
10:07
